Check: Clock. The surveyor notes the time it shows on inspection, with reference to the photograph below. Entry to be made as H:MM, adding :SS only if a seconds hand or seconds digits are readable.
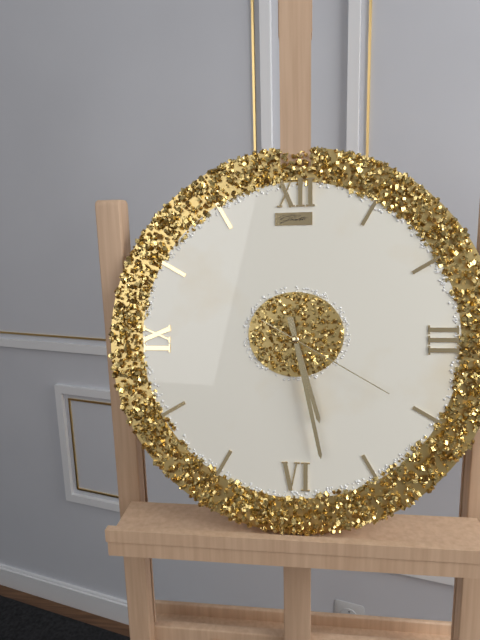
5:28:20
